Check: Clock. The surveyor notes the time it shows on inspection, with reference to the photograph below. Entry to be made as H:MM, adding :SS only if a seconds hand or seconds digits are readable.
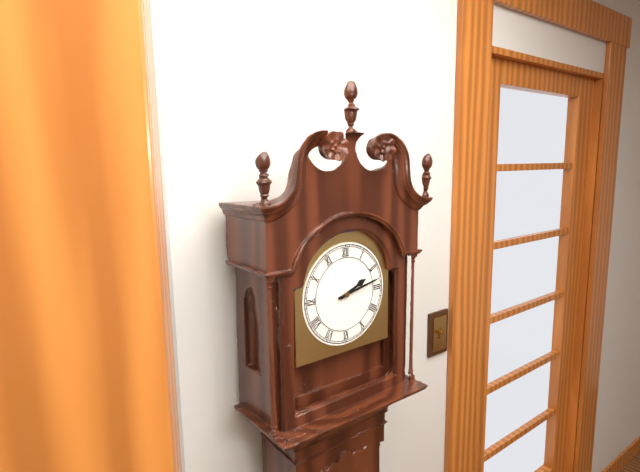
2:13
